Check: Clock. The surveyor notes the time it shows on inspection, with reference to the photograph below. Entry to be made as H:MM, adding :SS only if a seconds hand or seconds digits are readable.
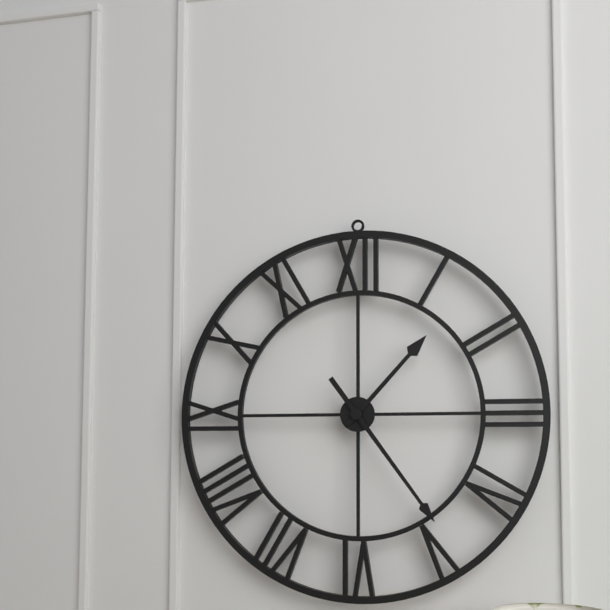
1:24
